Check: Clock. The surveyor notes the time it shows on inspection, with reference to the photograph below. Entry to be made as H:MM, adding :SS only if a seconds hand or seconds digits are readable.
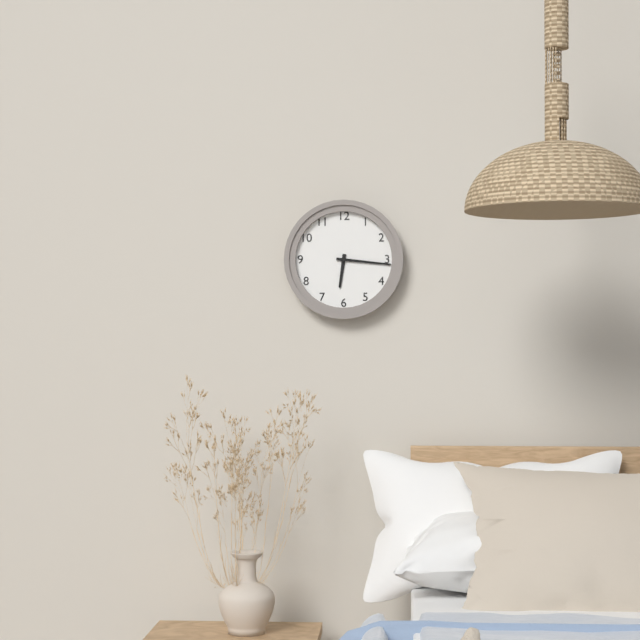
6:16
